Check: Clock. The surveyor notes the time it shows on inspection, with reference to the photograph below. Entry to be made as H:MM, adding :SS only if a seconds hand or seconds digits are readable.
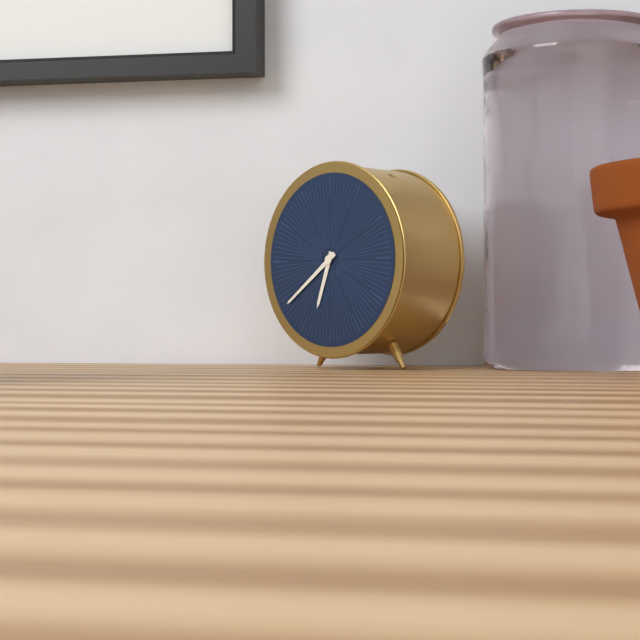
6:39
